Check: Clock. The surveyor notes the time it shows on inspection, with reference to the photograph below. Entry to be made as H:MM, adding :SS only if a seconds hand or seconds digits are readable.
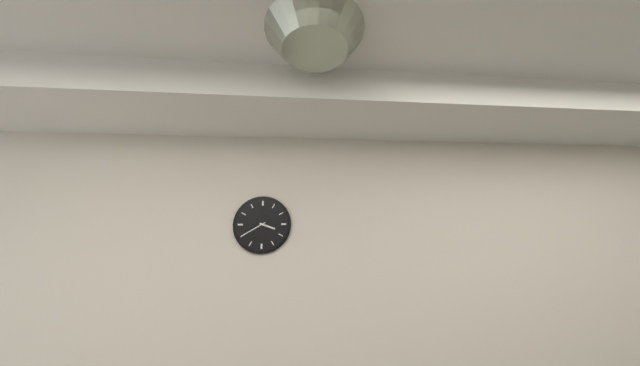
3:40
